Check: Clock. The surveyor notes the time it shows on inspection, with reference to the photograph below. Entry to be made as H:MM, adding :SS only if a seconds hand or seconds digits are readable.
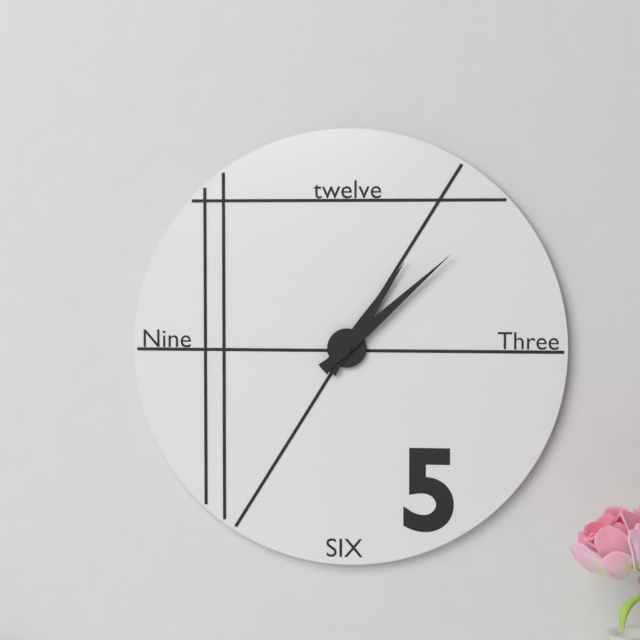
1:08
